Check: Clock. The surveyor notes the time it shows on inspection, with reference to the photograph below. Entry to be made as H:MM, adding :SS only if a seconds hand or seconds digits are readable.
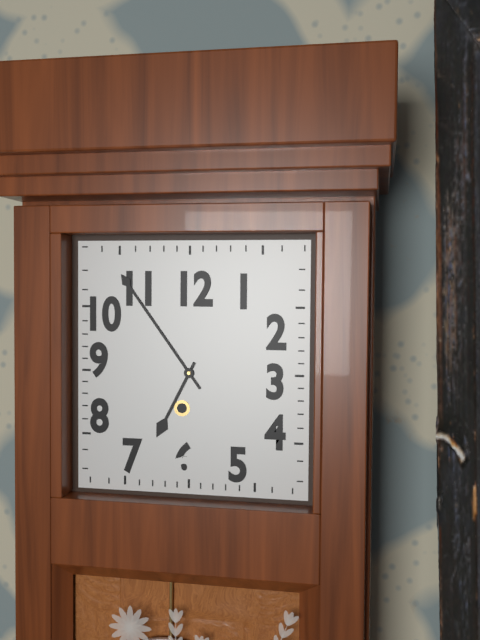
6:54
